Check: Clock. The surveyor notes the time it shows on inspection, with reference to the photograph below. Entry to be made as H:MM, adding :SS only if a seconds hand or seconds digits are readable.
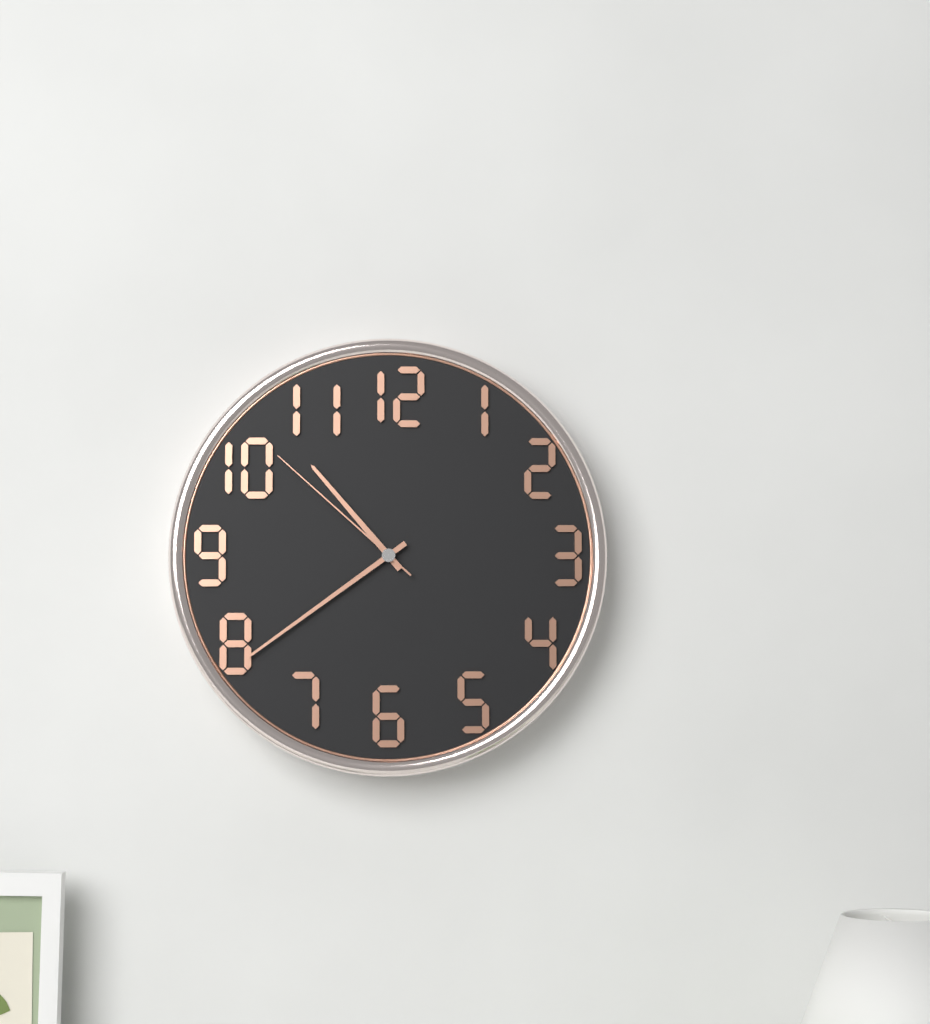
10:39:52
